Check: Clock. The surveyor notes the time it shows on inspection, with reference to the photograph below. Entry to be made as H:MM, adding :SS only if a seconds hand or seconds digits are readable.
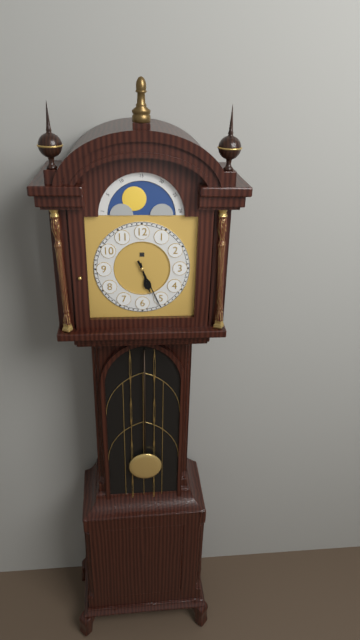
5:26
